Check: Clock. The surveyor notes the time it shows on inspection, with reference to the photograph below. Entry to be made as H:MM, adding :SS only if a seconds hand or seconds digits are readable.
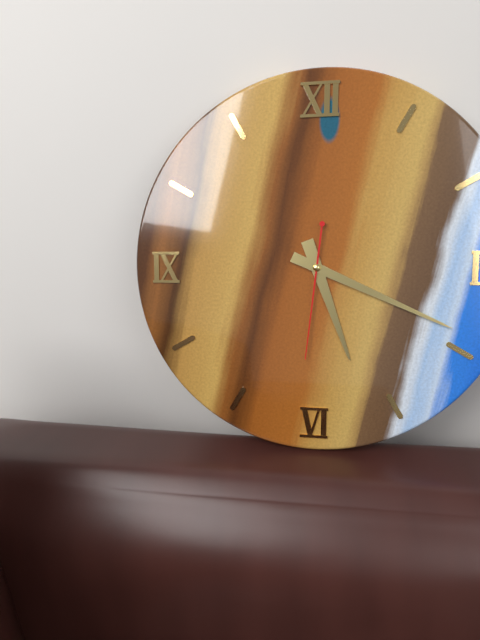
5:19:31
